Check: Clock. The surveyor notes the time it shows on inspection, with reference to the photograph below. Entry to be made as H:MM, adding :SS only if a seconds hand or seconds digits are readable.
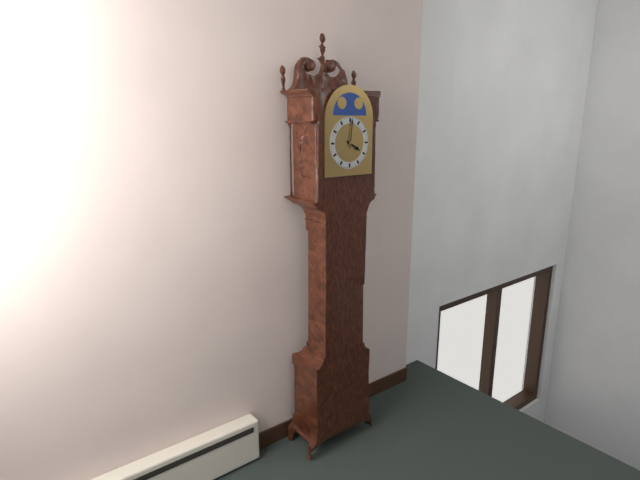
4:01
